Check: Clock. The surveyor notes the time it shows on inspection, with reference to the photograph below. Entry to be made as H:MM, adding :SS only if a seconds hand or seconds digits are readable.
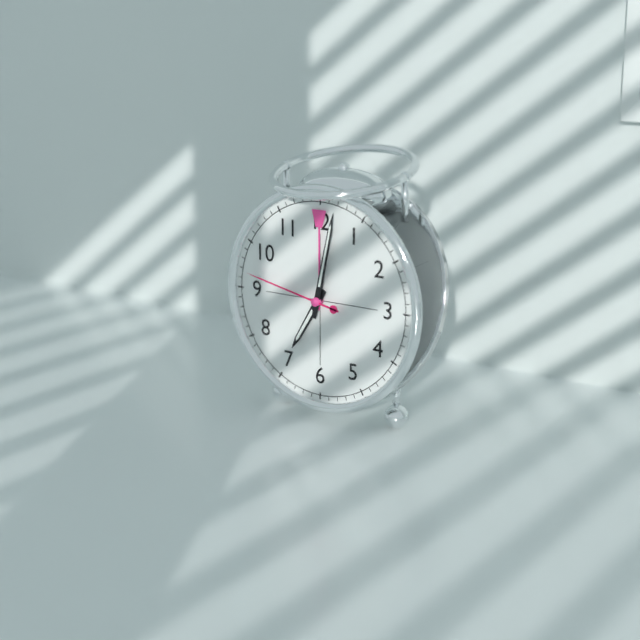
7:02:47
